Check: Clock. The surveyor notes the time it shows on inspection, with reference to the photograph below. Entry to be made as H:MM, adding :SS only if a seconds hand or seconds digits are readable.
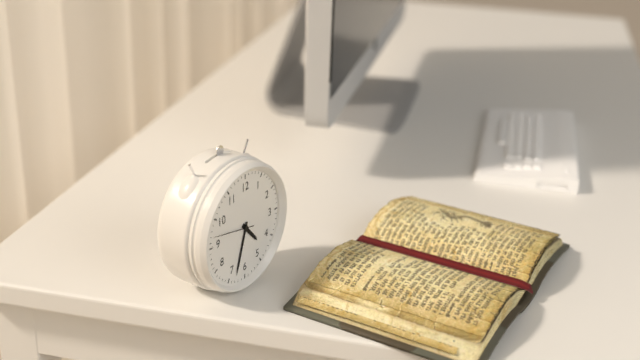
4:33
